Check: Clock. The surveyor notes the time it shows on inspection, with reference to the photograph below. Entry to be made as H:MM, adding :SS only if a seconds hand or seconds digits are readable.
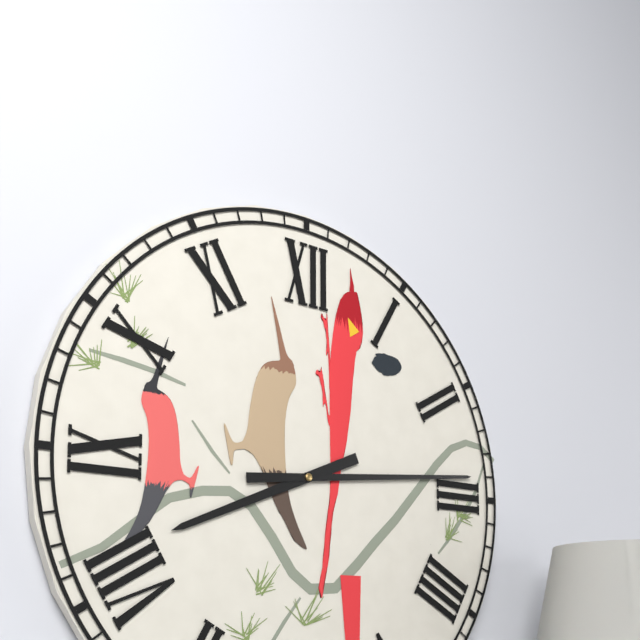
8:14
